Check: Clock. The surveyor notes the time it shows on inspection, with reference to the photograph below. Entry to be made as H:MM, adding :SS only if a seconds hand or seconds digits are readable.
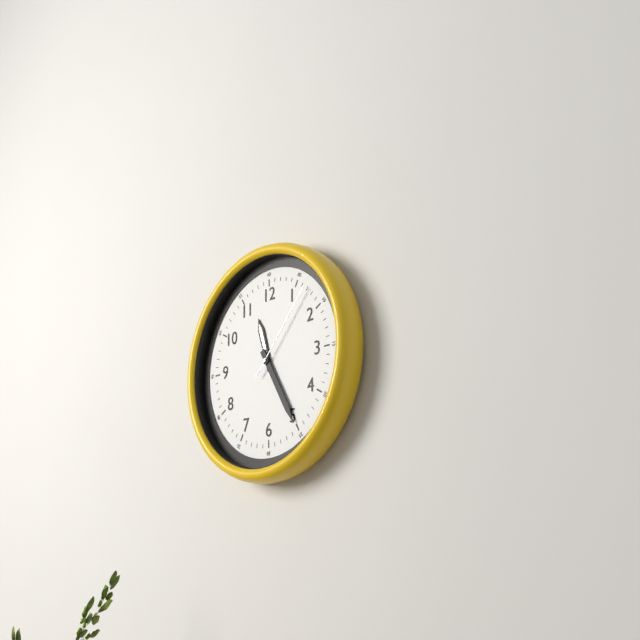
11:25:07
